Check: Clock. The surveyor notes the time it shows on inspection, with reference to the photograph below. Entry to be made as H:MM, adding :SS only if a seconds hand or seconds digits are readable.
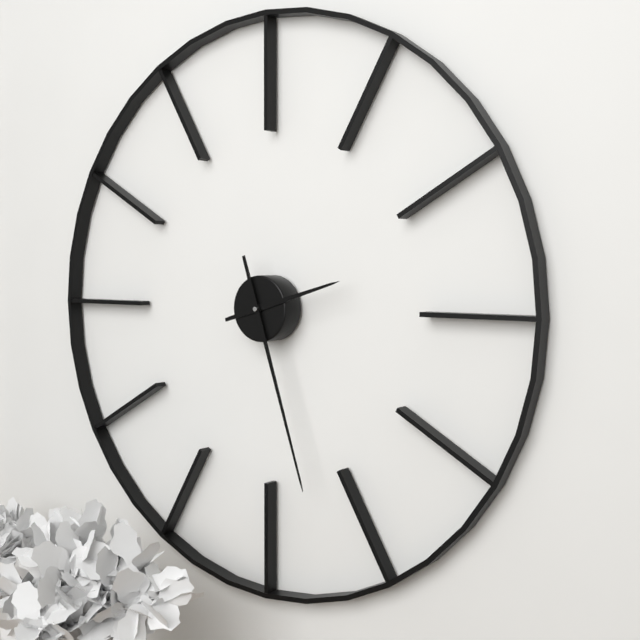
2:27
